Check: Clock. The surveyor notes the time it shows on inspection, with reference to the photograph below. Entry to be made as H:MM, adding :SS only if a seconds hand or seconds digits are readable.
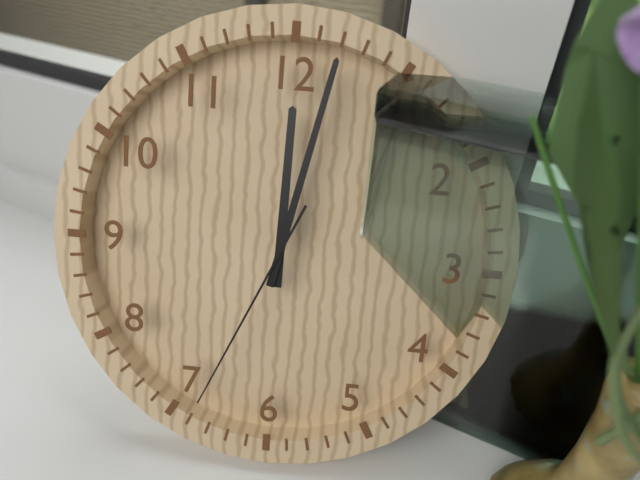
12:02:34
